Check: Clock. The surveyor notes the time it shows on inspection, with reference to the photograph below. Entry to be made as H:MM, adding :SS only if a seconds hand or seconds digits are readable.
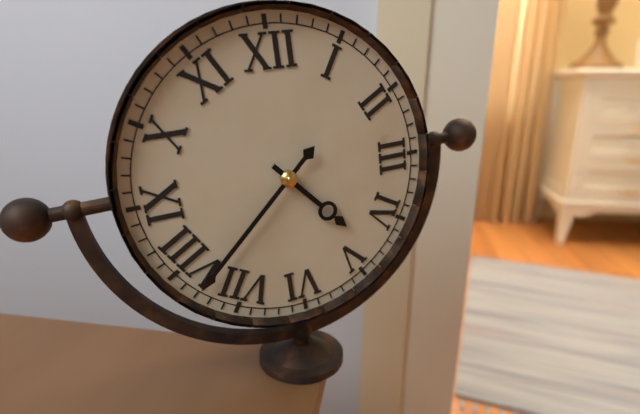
4:38
